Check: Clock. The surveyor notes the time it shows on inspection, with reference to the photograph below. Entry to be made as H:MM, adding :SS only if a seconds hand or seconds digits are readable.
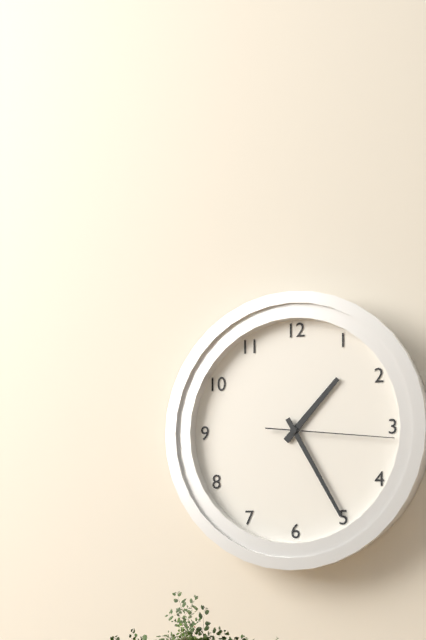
1:25:16
